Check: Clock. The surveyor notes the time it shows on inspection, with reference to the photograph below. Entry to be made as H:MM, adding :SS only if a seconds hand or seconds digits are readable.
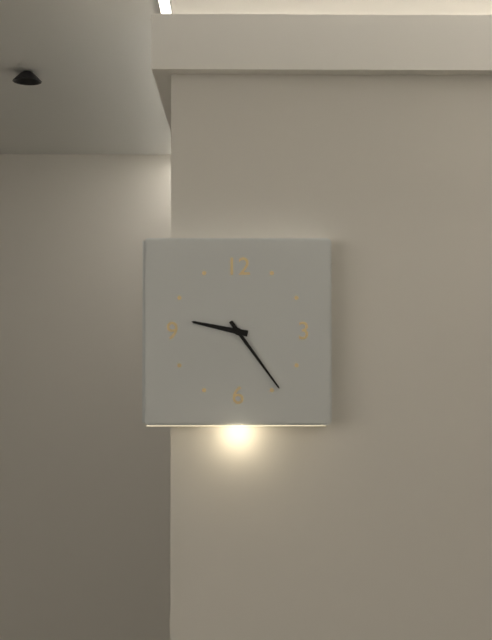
9:24
